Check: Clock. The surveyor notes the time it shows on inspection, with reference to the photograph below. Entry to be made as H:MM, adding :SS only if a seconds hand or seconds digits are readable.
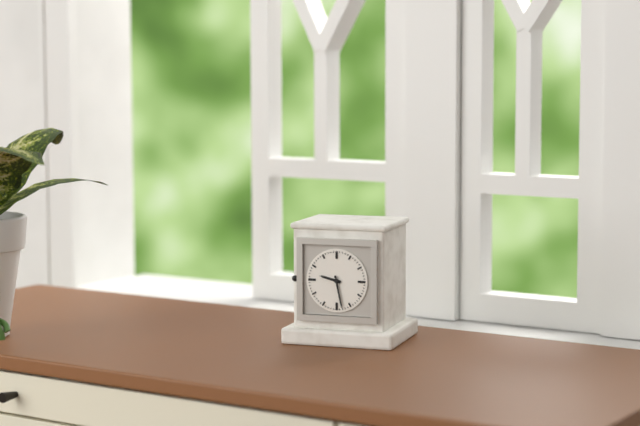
9:28
